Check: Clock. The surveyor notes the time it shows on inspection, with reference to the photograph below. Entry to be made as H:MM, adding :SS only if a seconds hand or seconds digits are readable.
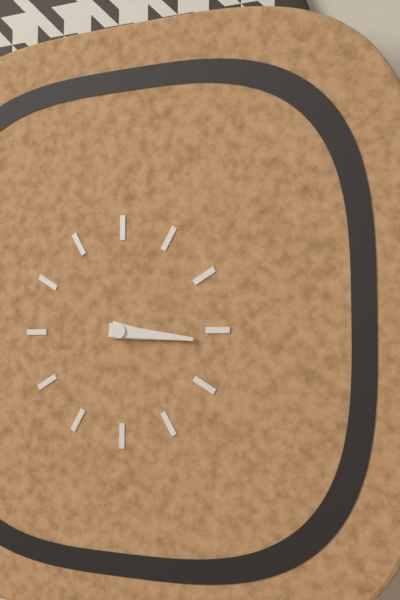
3:16
